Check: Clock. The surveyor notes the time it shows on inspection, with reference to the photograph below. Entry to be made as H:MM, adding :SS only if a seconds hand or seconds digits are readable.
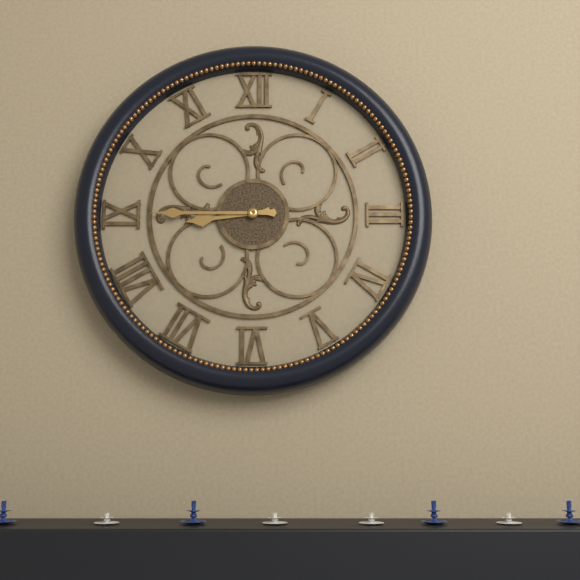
8:45
